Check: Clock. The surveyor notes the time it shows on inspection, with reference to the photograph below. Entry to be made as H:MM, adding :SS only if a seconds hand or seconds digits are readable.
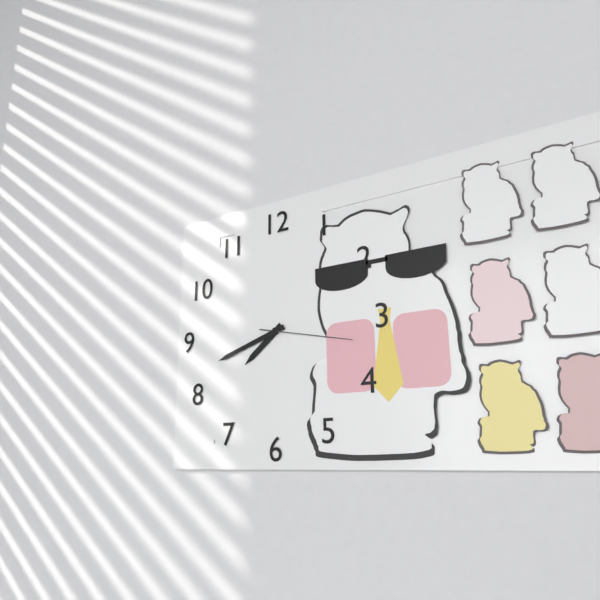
7:42:17
